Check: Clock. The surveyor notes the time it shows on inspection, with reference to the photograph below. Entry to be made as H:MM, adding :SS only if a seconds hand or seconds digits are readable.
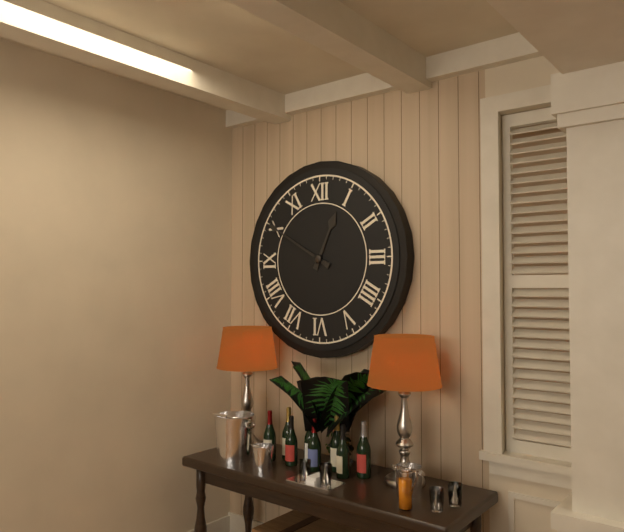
12:50
